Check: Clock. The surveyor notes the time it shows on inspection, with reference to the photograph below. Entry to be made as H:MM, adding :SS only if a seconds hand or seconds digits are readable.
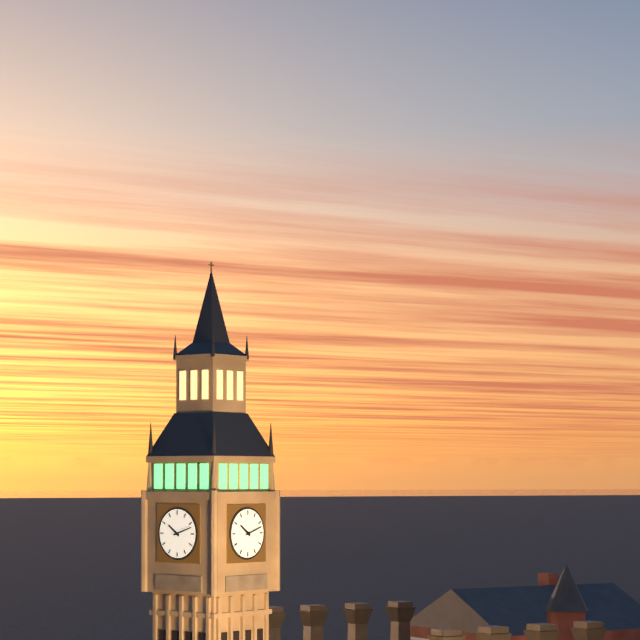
10:12
